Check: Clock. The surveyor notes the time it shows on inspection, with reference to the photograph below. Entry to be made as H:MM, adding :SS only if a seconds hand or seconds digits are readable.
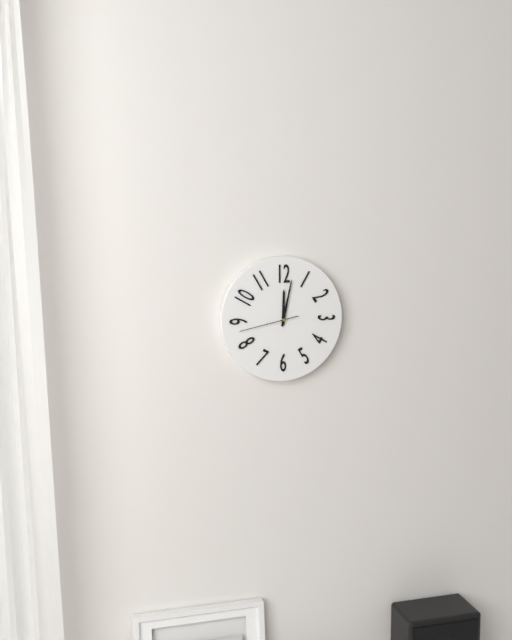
12:02:43
